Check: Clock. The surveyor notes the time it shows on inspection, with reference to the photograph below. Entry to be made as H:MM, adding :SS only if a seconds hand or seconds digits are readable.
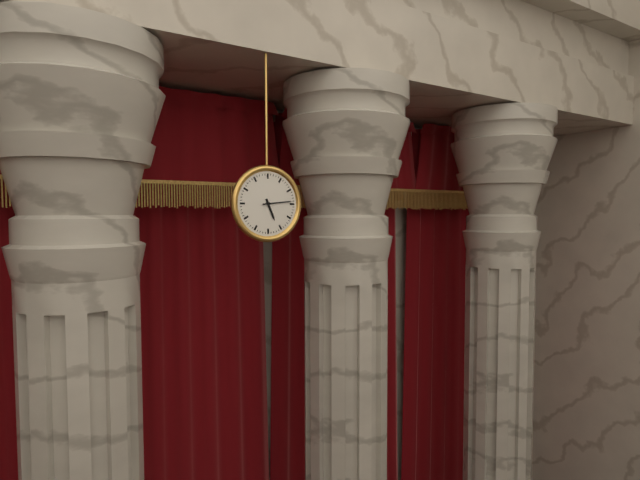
5:14
